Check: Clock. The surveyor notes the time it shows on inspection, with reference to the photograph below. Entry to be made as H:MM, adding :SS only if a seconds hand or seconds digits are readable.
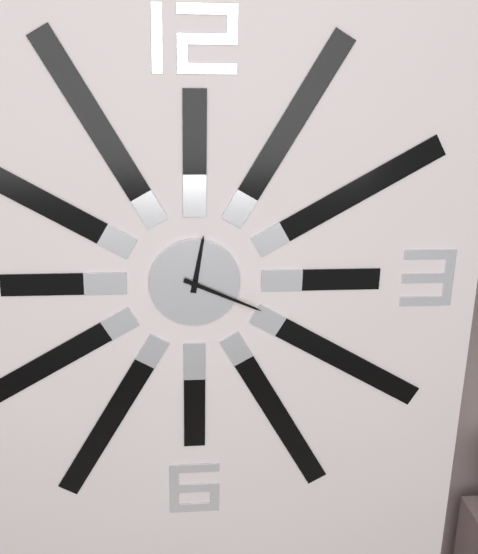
12:19
